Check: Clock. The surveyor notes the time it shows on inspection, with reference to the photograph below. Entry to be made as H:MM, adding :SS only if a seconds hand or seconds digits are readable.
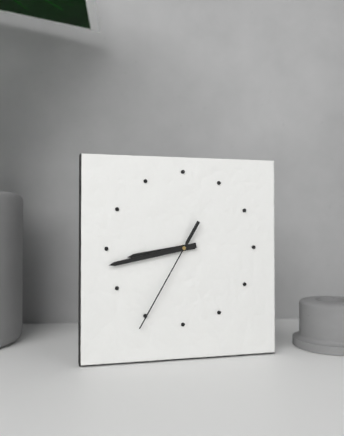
8:43:35
